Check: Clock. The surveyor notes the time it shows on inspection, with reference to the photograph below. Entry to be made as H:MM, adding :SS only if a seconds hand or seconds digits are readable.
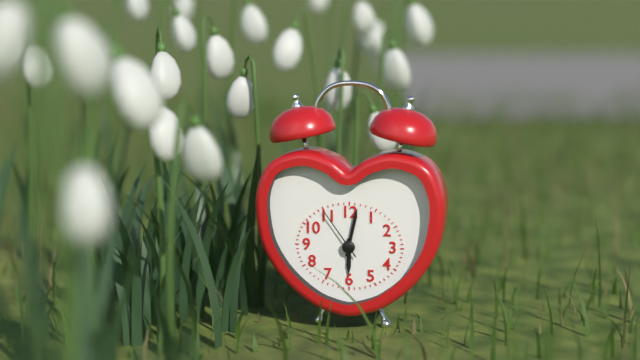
6:02:54
